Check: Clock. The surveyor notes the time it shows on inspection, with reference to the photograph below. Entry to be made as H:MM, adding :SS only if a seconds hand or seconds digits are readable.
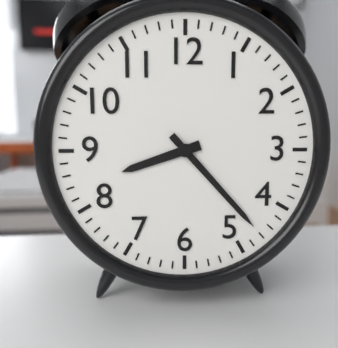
8:23
